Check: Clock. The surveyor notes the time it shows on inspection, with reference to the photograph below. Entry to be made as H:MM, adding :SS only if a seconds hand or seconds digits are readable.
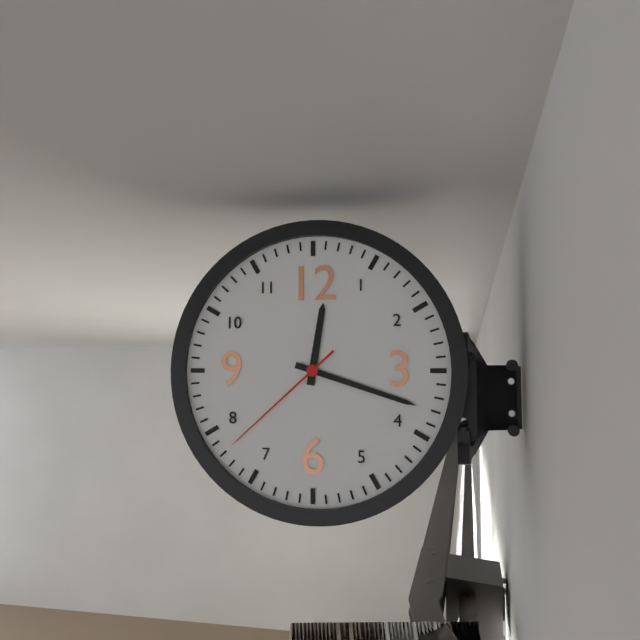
12:18:38
